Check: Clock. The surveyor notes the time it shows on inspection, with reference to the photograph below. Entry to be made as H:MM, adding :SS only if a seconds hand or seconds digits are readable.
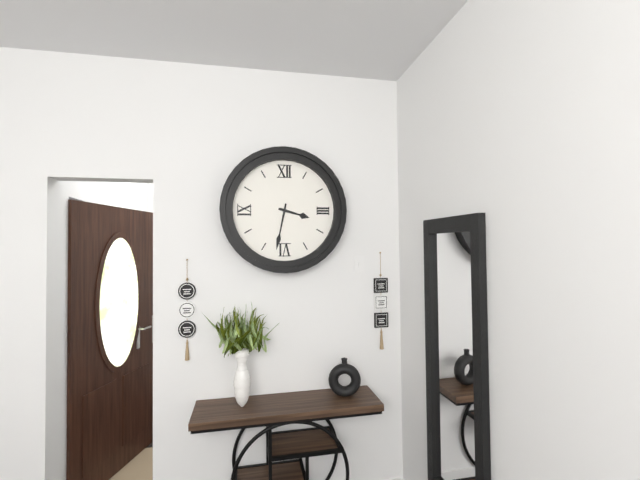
3:32
